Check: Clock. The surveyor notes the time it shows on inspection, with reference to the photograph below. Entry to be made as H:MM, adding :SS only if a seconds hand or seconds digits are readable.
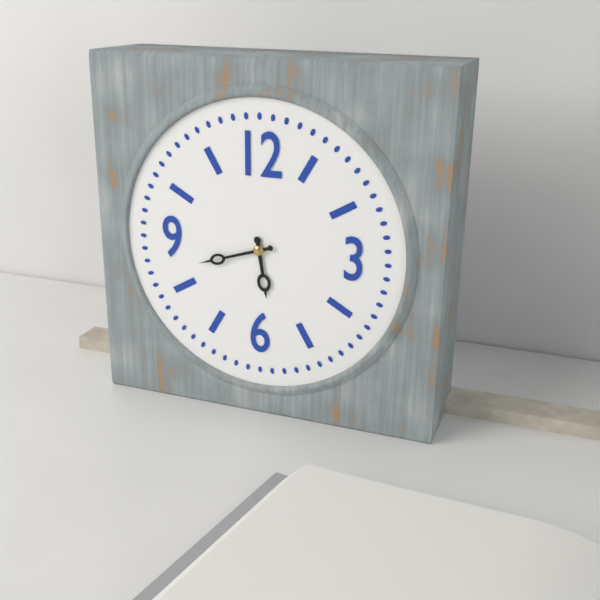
5:42
